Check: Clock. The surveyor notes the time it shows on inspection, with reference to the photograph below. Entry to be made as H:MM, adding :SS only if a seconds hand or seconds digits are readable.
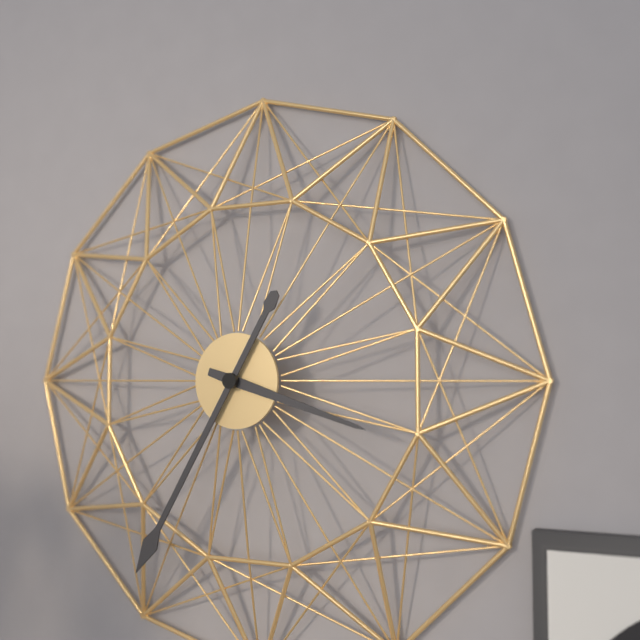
3:35
